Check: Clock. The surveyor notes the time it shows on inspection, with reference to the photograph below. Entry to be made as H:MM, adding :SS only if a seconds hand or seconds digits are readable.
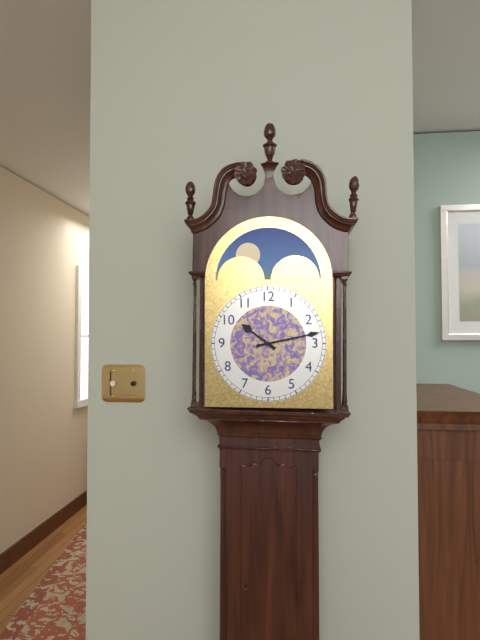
10:13
